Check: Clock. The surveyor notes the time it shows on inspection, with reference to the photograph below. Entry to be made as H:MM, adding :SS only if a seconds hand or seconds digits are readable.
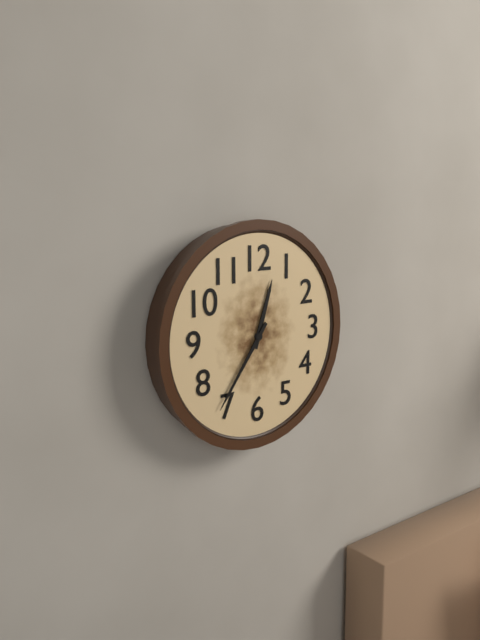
12:36
